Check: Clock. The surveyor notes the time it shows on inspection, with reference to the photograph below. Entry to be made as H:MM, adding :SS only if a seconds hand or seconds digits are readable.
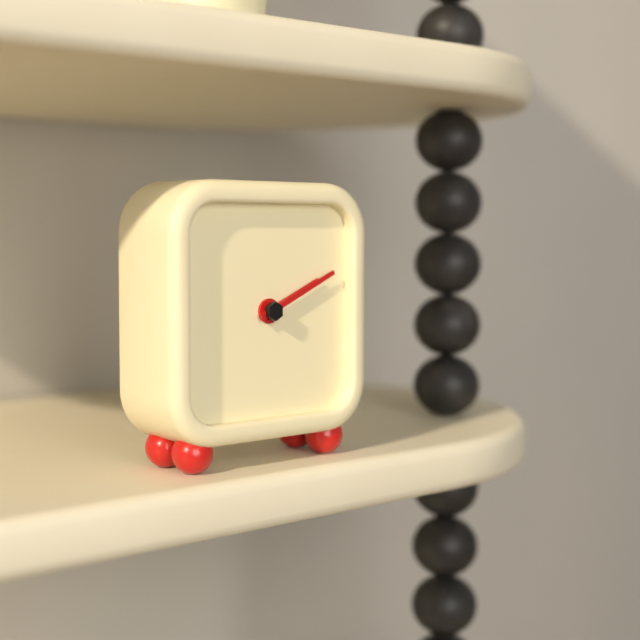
2:11
